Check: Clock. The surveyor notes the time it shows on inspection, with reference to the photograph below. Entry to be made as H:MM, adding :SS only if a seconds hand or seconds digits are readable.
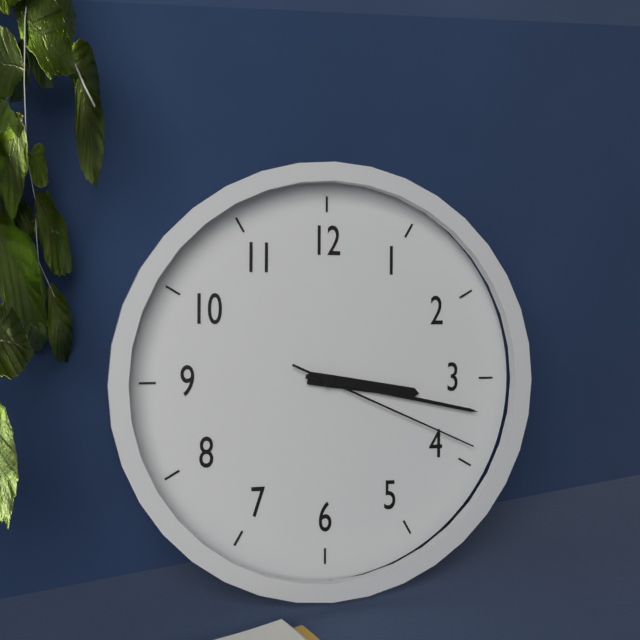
3:17:19
